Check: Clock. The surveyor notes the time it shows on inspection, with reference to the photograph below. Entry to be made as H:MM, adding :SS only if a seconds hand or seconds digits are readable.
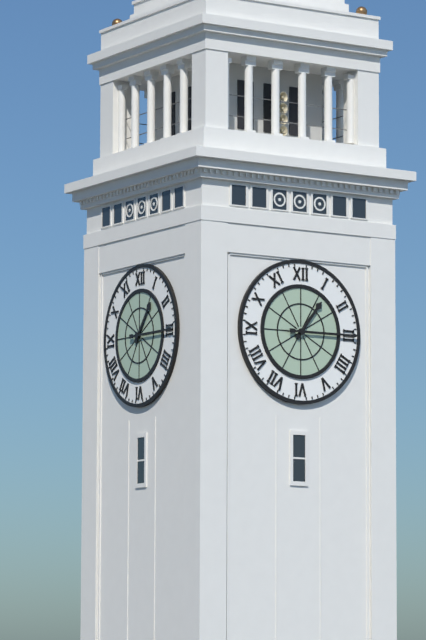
1:15
